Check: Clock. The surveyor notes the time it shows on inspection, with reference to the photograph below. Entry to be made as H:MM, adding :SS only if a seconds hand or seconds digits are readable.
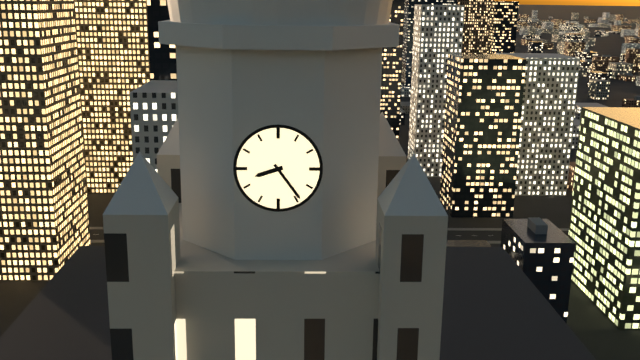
8:24
